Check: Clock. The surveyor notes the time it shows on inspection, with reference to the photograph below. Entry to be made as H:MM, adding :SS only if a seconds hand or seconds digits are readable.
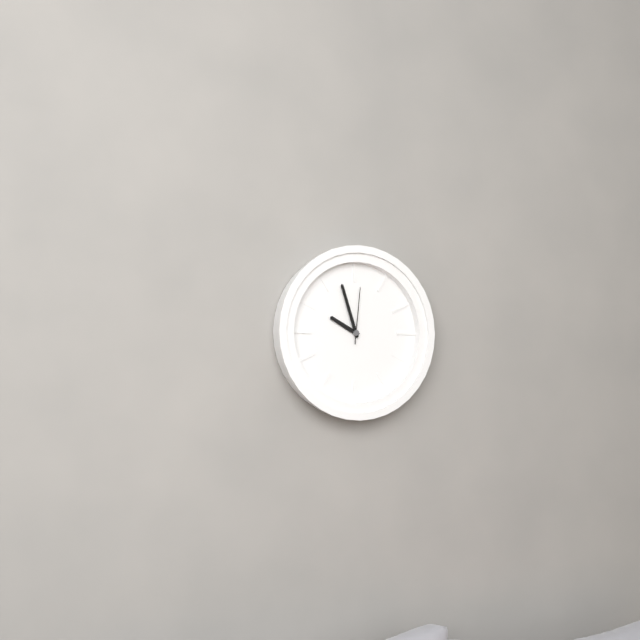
9:57:01
